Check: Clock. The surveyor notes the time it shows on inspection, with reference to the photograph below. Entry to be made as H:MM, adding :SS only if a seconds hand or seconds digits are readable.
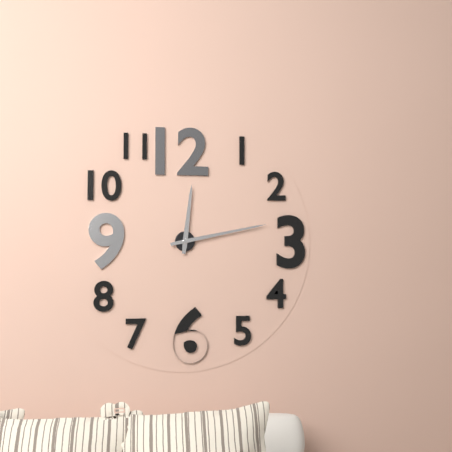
12:13
